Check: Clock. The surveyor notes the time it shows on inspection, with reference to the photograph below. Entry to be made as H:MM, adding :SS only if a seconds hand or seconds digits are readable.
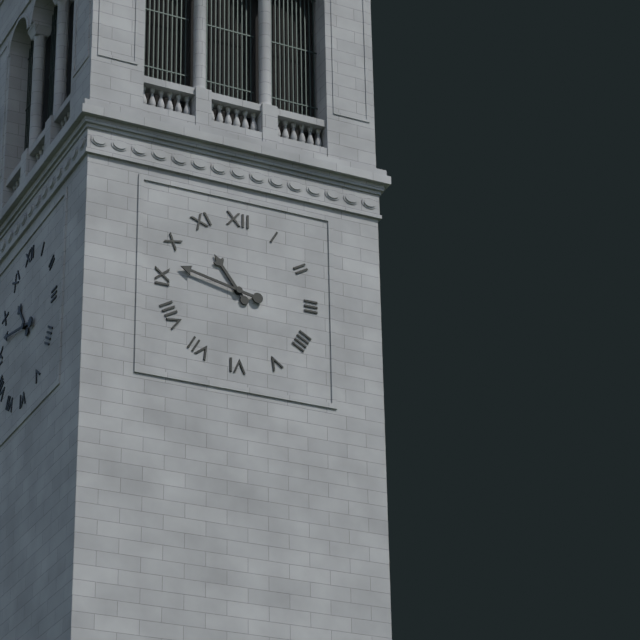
10:47
